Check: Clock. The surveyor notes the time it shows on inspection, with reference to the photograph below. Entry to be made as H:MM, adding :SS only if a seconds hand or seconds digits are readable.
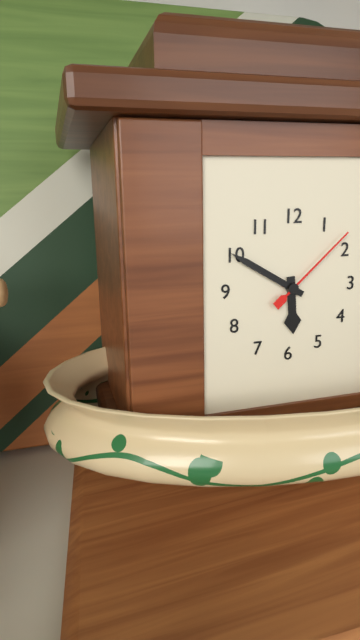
5:50:08
